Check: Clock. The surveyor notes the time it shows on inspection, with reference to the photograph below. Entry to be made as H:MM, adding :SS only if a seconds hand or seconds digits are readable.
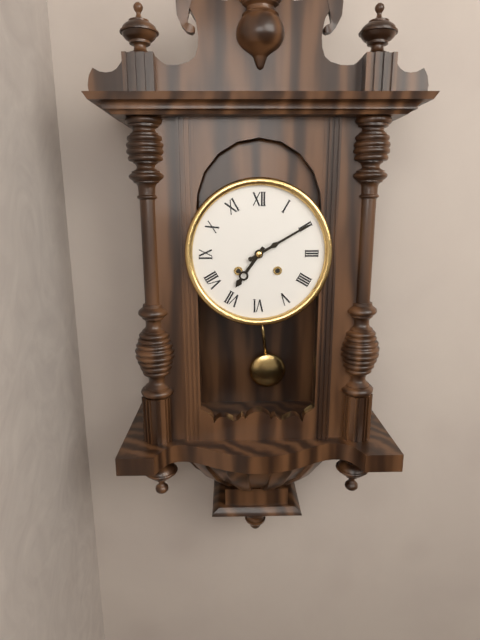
7:10
